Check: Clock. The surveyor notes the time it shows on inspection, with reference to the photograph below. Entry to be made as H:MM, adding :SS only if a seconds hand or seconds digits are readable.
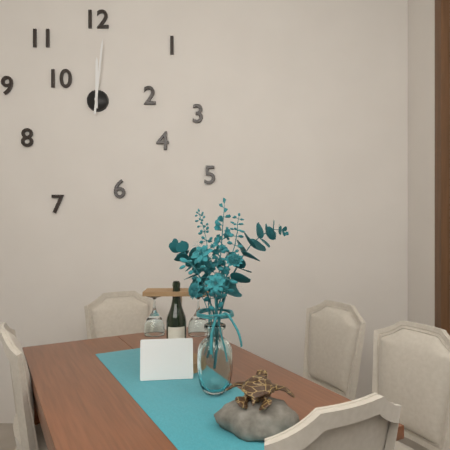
12:01
